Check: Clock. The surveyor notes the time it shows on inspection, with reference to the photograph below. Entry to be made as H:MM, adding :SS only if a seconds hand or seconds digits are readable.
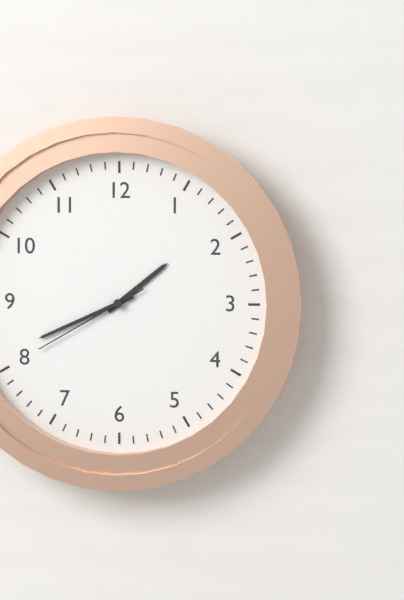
1:41:40
